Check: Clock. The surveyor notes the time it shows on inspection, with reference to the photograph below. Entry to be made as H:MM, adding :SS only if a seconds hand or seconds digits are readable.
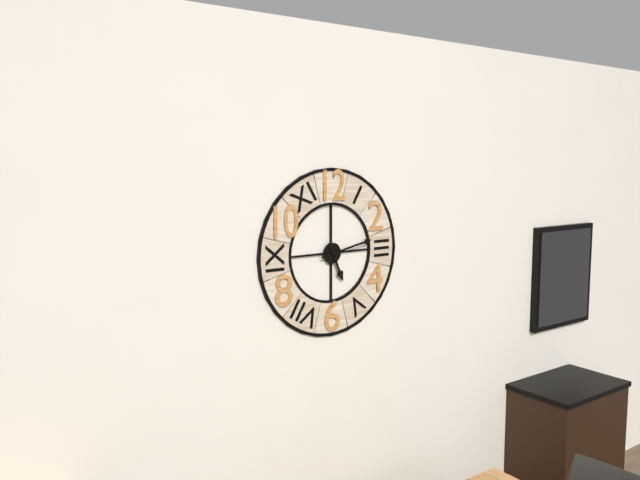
5:13
